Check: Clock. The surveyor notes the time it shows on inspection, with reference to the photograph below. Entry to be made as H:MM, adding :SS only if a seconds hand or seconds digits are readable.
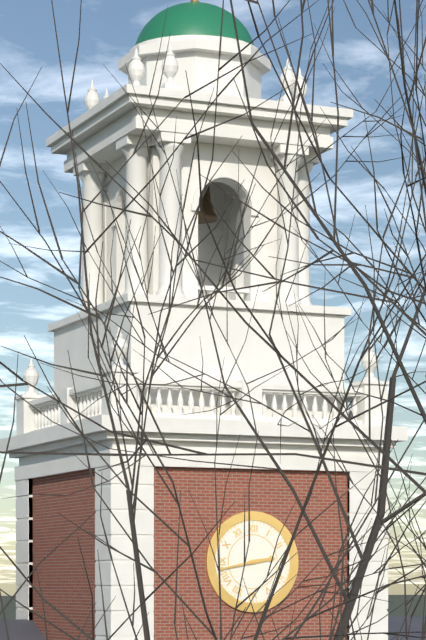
2:43
